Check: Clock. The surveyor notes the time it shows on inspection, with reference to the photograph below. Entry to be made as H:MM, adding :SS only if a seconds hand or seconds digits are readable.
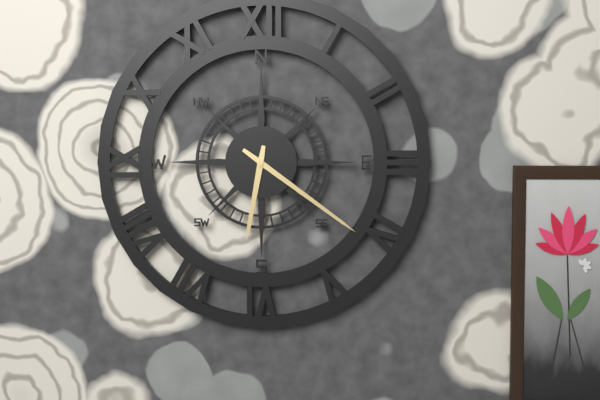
6:21
